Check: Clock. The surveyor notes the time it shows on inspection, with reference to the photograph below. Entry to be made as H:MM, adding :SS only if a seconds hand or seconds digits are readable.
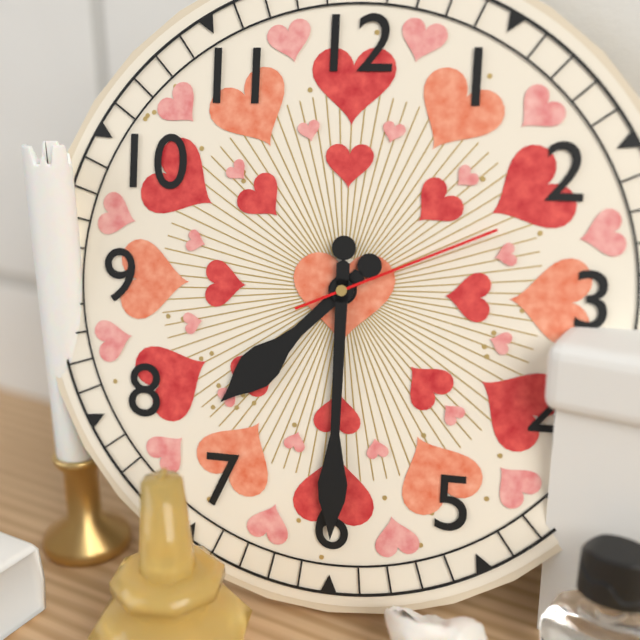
7:30:11
